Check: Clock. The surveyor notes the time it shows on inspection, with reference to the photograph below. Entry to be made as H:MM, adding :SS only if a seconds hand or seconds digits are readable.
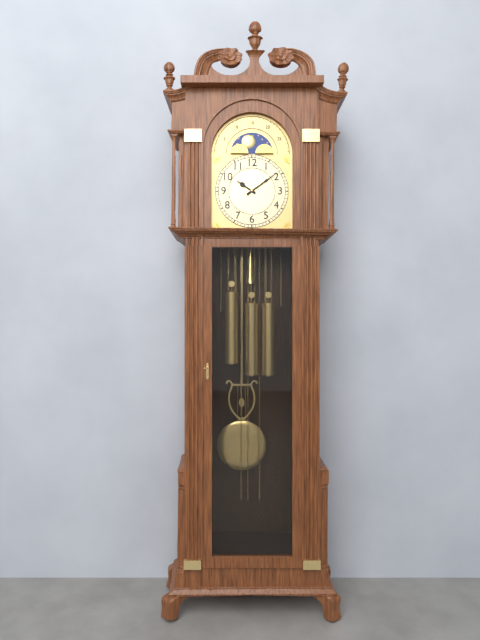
10:09
